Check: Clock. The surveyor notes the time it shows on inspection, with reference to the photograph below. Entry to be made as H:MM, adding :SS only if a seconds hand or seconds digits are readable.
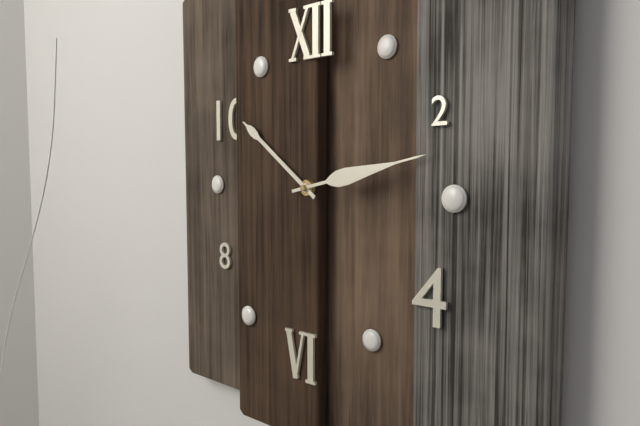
10:13
